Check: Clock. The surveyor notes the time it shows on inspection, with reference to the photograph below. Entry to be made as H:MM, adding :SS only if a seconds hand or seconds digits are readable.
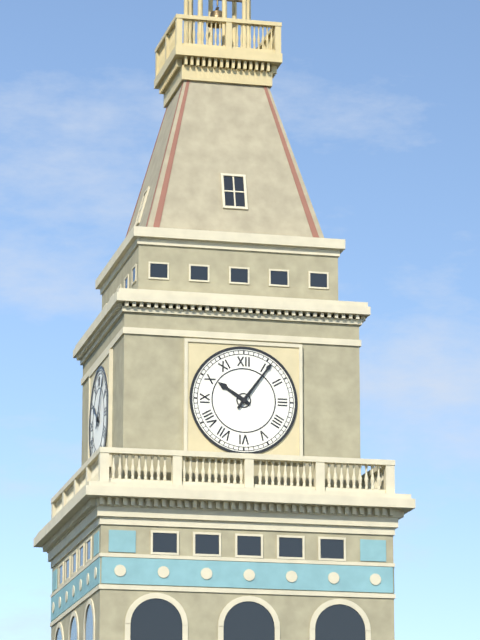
10:06
